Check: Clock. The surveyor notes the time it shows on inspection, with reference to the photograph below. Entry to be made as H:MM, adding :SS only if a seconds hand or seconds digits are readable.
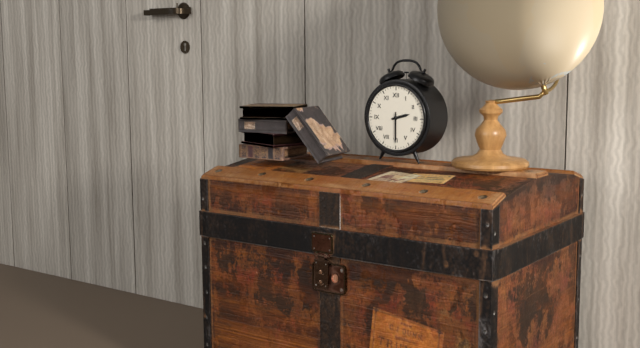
2:30
